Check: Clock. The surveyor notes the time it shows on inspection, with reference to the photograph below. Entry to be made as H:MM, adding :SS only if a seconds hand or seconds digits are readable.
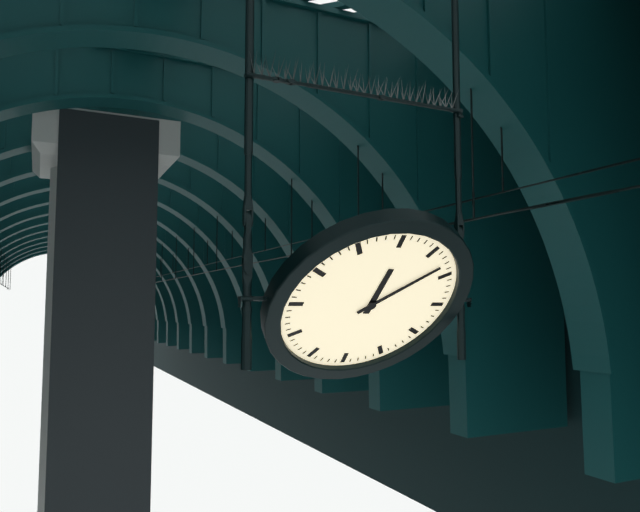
12:08
